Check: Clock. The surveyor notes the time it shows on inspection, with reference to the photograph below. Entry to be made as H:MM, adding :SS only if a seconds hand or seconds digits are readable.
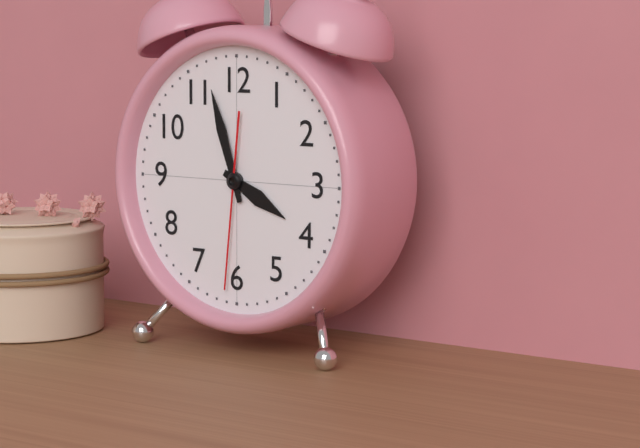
3:57:31
